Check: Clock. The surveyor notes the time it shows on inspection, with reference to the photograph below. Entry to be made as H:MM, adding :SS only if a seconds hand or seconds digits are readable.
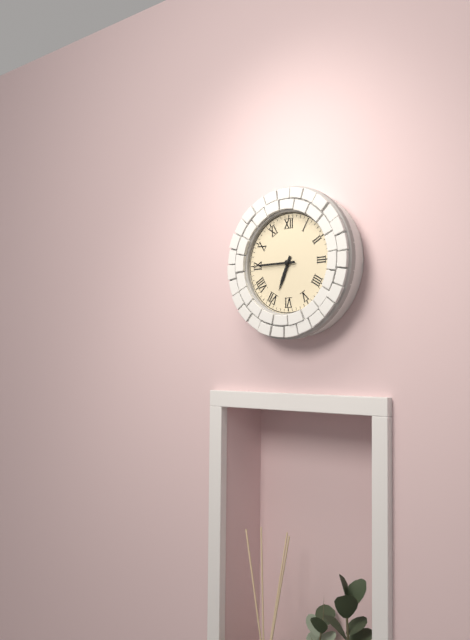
6:45
